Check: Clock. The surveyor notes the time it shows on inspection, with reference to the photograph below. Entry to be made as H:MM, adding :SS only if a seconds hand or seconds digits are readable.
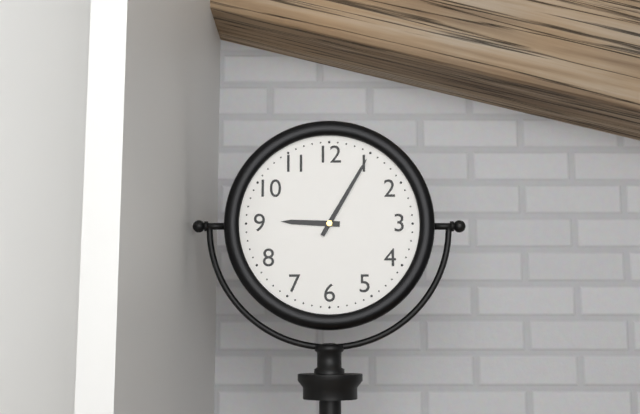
9:05
